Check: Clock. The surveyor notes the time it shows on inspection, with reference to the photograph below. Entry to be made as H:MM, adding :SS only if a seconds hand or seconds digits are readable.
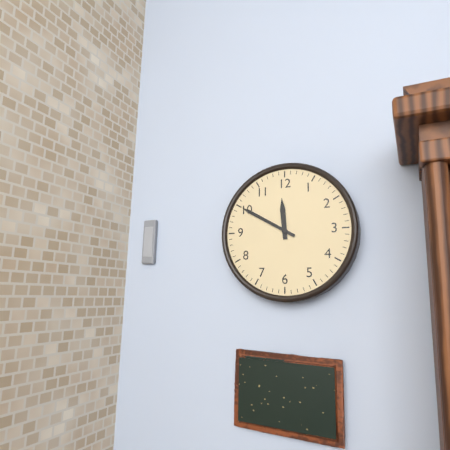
11:50
